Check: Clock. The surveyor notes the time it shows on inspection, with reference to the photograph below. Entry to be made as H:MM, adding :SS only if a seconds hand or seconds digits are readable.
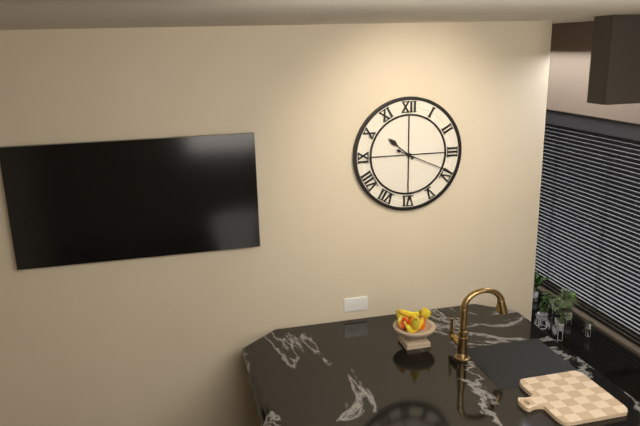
10:19
